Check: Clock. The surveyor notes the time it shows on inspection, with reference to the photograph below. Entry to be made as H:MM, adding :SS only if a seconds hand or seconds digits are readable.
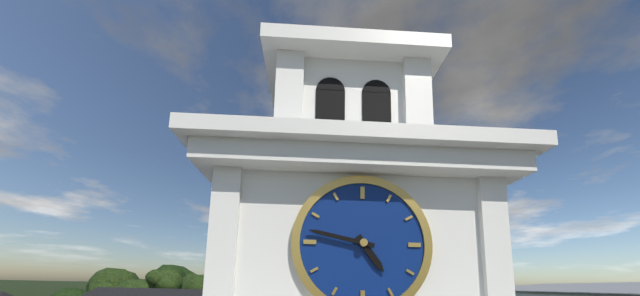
4:47
